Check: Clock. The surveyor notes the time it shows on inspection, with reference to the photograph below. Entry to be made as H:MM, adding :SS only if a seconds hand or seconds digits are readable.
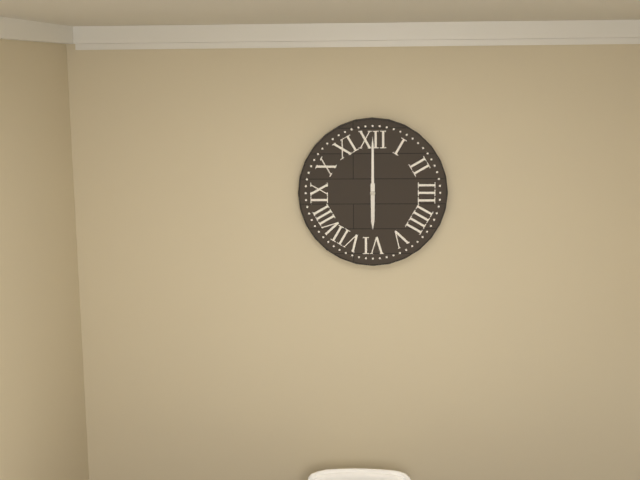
6:00
